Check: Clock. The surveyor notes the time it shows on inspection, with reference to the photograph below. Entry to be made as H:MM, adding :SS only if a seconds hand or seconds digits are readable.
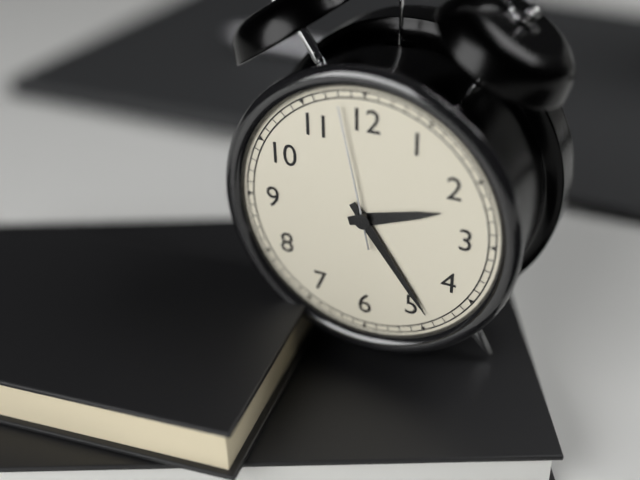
2:24:58
